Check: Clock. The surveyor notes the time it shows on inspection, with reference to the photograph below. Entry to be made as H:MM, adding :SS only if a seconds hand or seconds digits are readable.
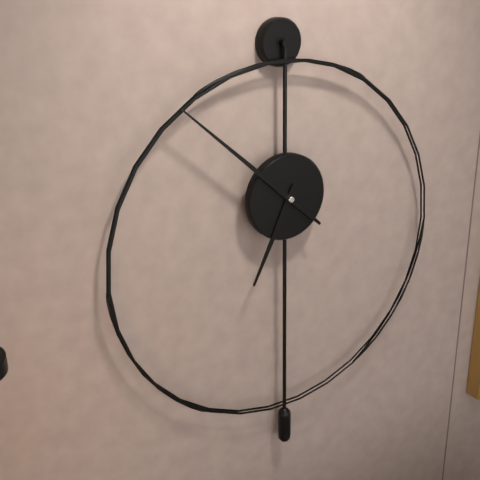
6:52
